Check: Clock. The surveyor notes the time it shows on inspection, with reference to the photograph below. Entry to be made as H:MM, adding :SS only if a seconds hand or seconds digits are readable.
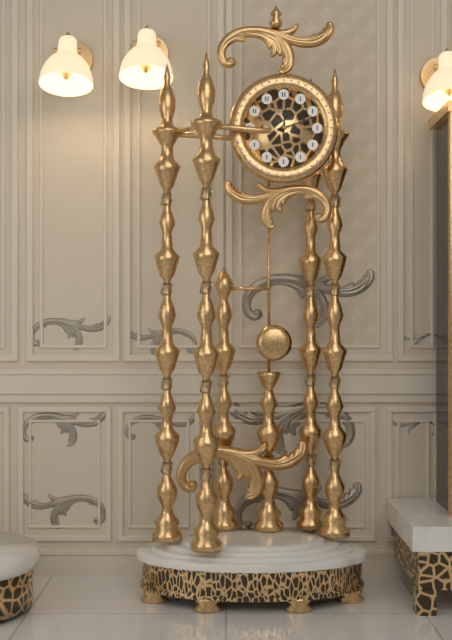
12:12
